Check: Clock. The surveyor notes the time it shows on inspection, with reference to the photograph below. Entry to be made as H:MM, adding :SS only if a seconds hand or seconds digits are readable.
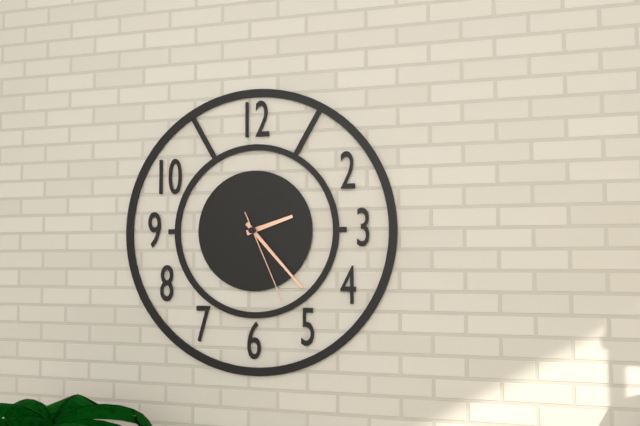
2:23:26
